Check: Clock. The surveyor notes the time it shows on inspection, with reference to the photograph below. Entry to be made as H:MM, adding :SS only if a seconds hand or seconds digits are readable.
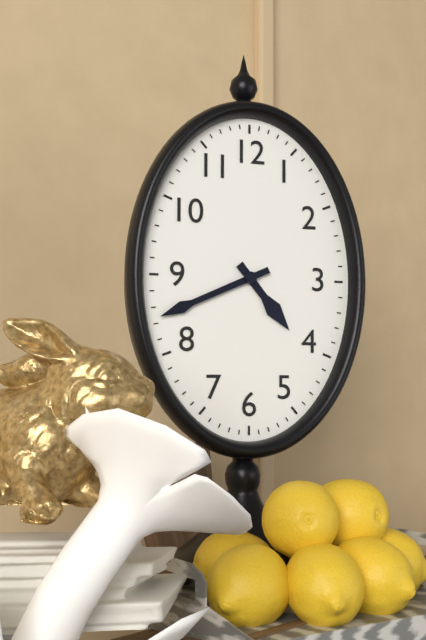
4:41
